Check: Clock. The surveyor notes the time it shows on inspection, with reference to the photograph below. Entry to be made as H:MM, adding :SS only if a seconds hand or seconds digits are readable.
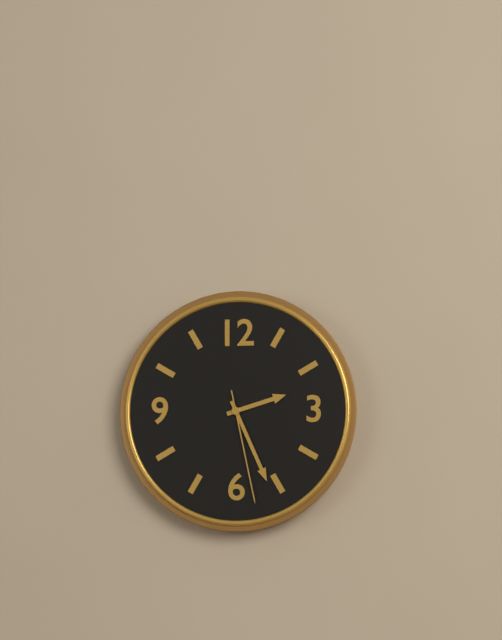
2:26:28
